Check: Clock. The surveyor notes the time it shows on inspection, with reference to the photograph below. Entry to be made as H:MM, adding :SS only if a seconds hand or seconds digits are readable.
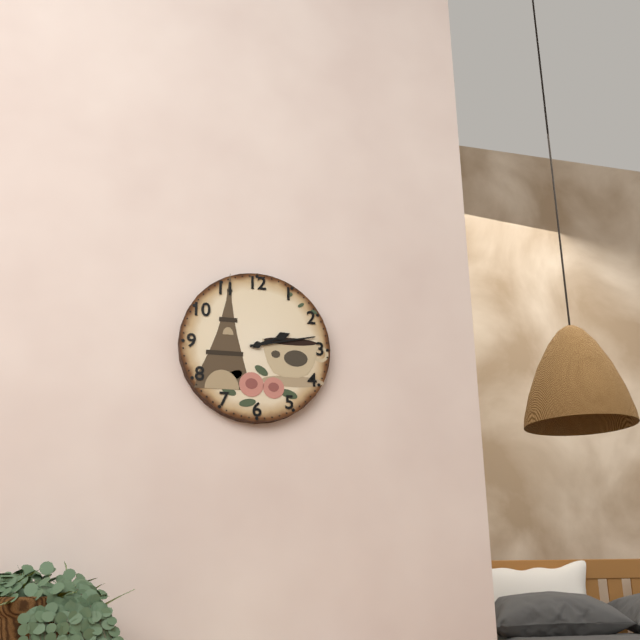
2:13
